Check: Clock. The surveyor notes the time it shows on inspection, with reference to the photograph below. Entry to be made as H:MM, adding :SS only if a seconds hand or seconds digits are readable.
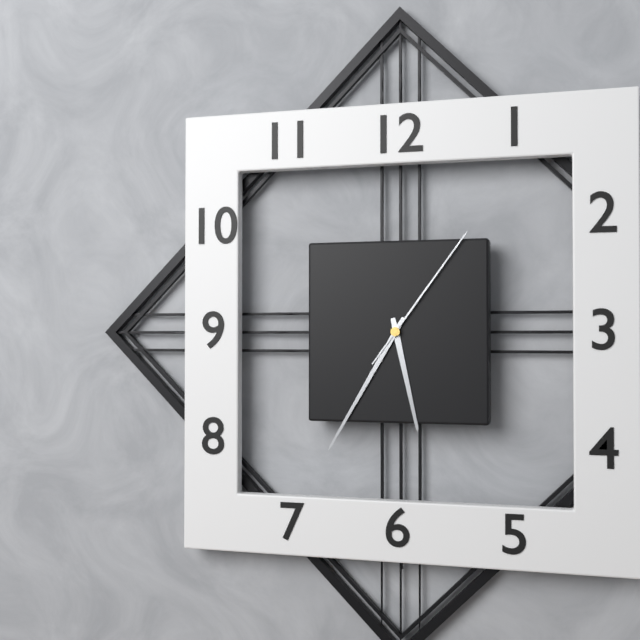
5:35:06
